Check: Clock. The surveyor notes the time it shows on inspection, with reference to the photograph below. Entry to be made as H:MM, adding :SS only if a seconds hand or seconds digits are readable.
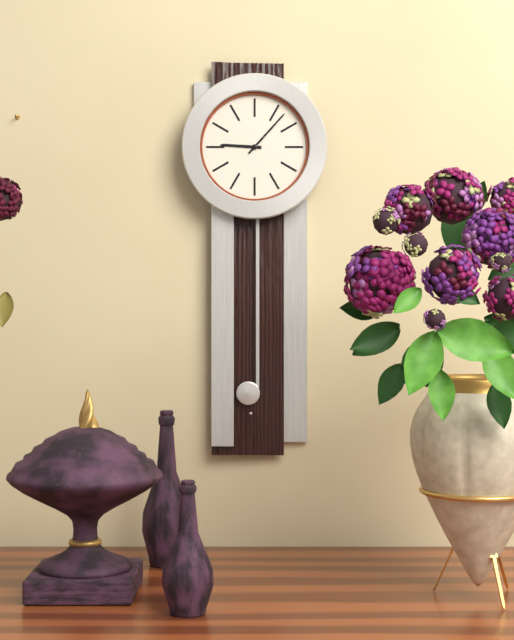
9:07
